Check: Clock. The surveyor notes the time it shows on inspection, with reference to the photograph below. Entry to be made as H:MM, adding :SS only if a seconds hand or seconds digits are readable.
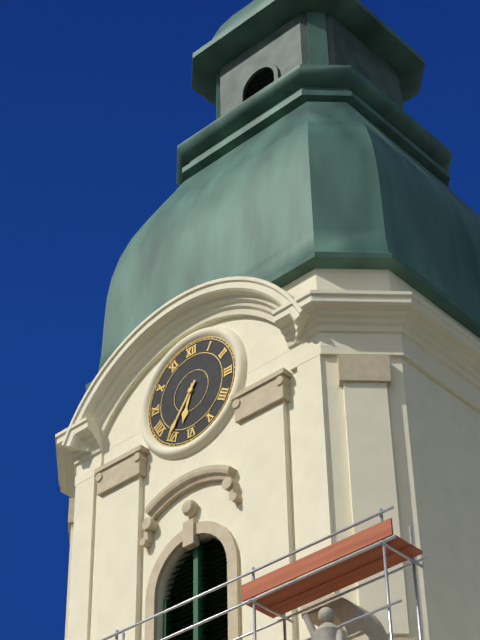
6:36
